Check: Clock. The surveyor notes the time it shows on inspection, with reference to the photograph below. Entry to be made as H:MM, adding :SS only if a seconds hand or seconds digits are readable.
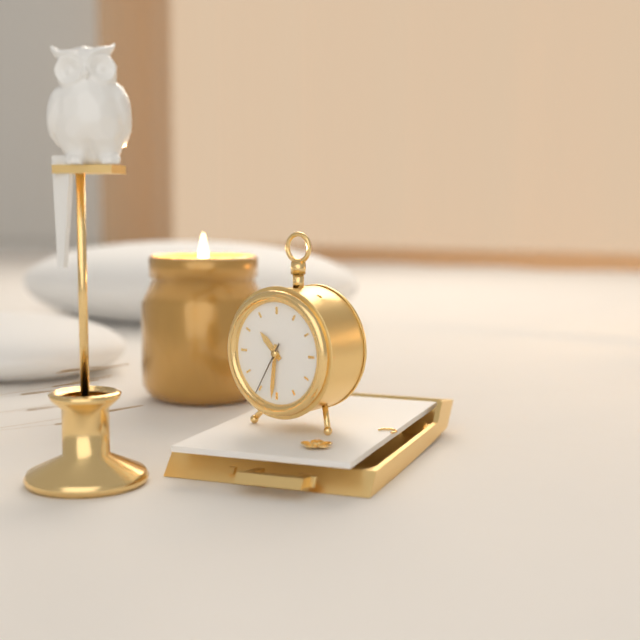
10:31:35
